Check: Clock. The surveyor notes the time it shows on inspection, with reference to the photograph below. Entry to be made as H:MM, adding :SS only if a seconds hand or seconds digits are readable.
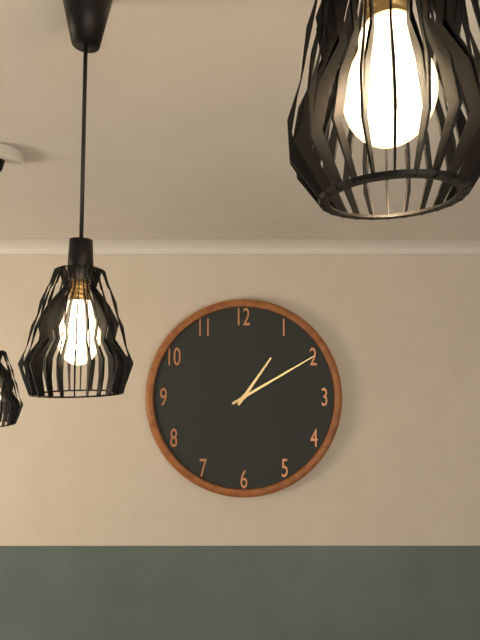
1:10
